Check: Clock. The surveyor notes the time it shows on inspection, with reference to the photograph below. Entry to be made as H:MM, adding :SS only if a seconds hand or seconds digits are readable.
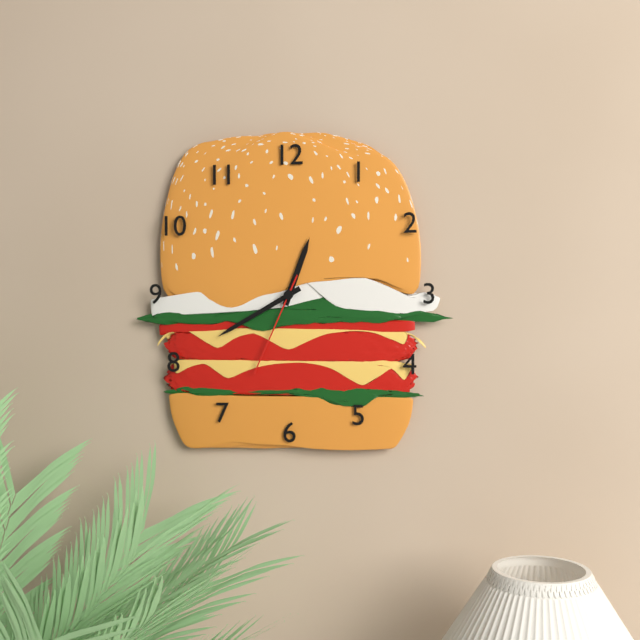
12:40:34
